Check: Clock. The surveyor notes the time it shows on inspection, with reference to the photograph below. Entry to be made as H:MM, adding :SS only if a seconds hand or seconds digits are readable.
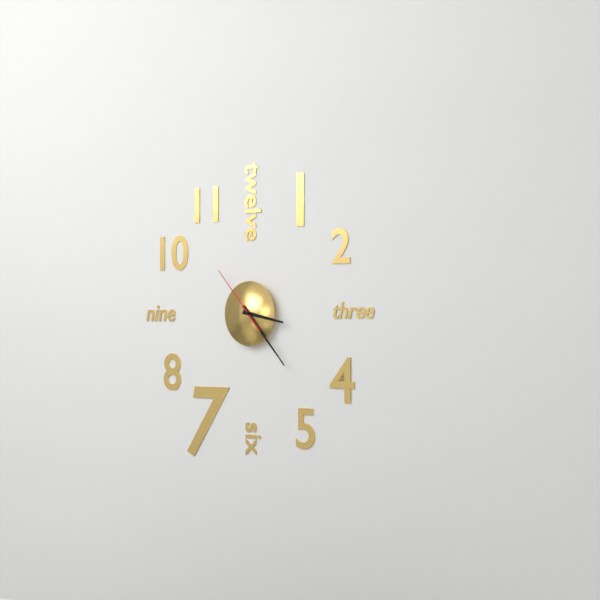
3:23:53
